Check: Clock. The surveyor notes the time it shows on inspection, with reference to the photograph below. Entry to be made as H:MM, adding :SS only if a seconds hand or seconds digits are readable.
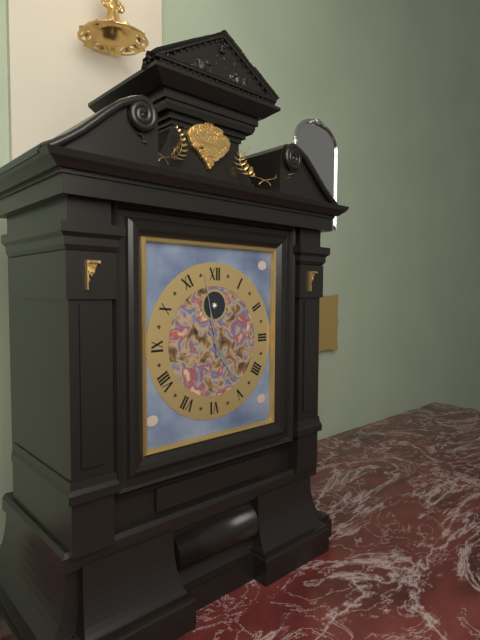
4:58
